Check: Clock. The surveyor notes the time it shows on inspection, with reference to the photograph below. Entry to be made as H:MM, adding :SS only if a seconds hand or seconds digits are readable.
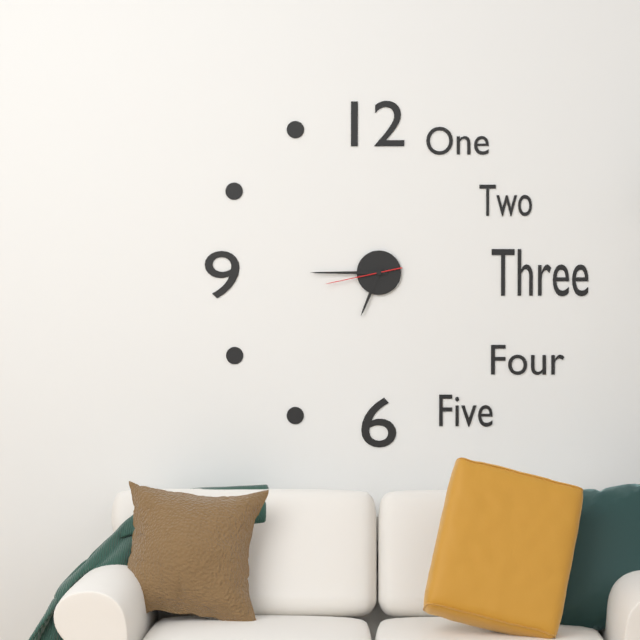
6:45:43
